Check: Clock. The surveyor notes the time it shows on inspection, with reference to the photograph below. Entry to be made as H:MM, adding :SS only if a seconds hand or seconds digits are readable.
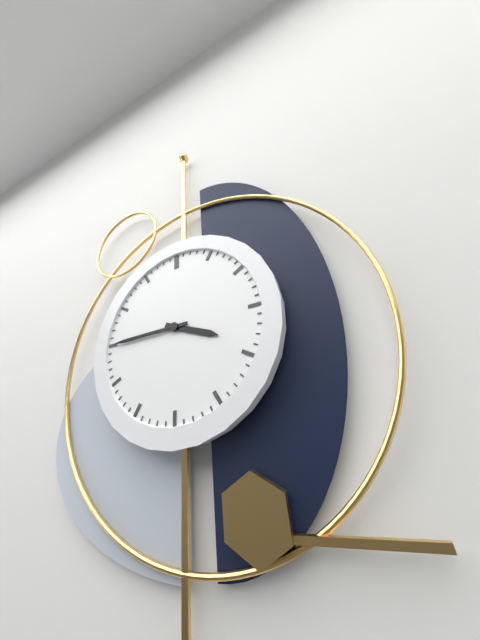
3:45
